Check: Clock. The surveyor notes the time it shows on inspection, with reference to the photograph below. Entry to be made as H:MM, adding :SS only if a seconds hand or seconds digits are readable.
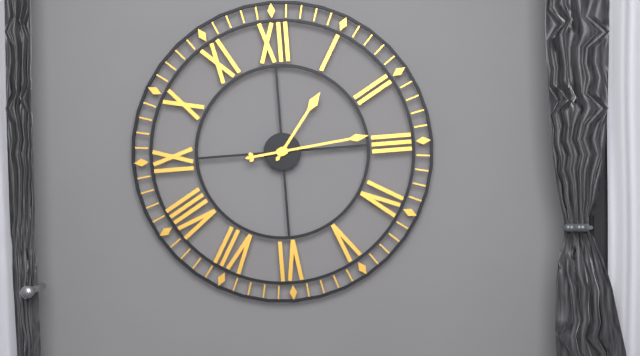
1:14
